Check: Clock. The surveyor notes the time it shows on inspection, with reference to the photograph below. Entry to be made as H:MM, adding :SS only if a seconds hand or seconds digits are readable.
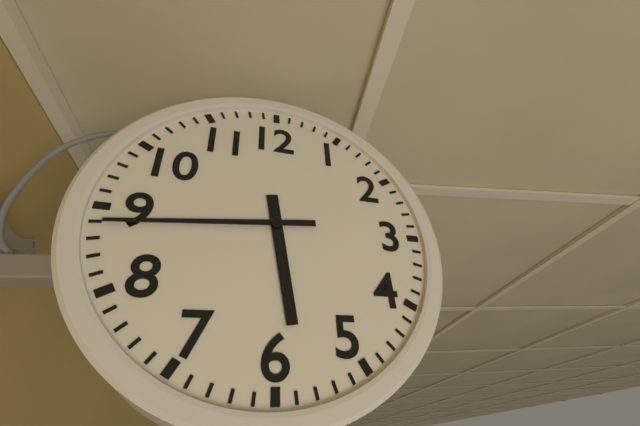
5:44
